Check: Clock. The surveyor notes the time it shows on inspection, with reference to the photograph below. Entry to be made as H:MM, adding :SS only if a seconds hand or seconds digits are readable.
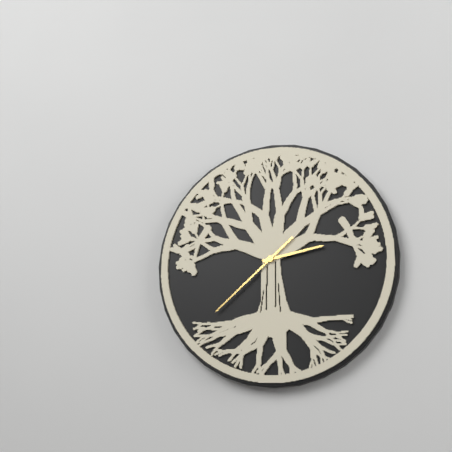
2:38
